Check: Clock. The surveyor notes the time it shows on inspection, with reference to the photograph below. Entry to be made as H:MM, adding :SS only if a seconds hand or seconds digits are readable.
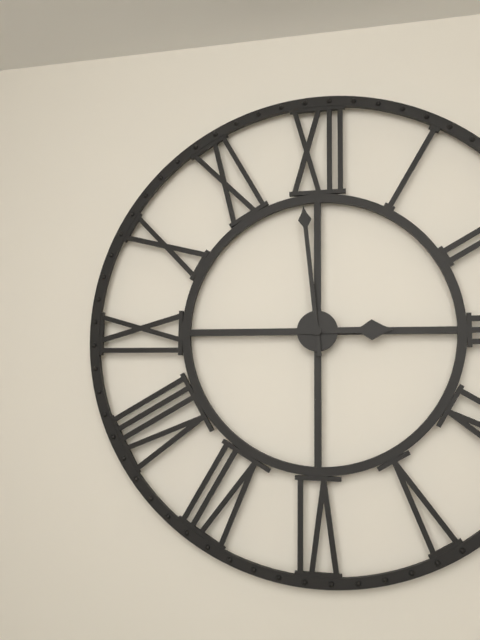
2:59
